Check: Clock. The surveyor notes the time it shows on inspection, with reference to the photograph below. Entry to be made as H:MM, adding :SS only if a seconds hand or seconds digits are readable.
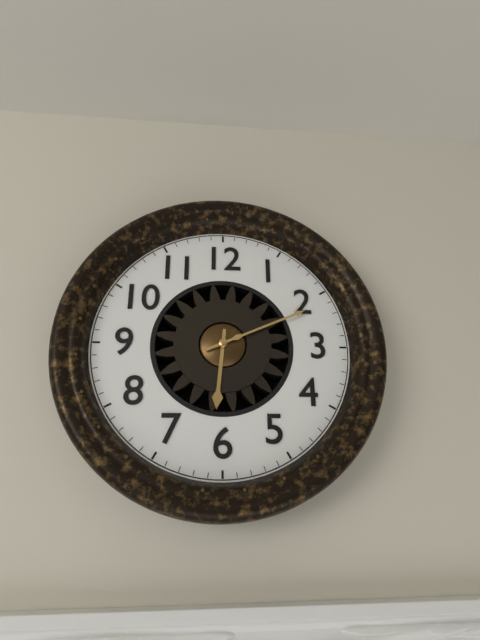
6:11
